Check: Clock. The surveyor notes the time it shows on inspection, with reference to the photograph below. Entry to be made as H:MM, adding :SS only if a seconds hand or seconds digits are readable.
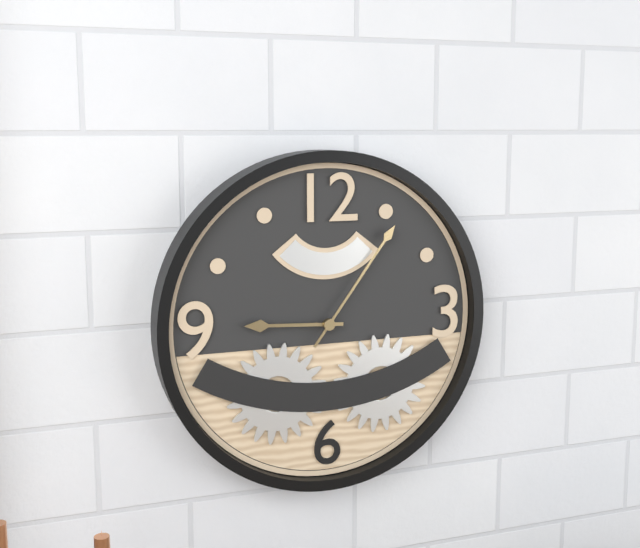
9:06
